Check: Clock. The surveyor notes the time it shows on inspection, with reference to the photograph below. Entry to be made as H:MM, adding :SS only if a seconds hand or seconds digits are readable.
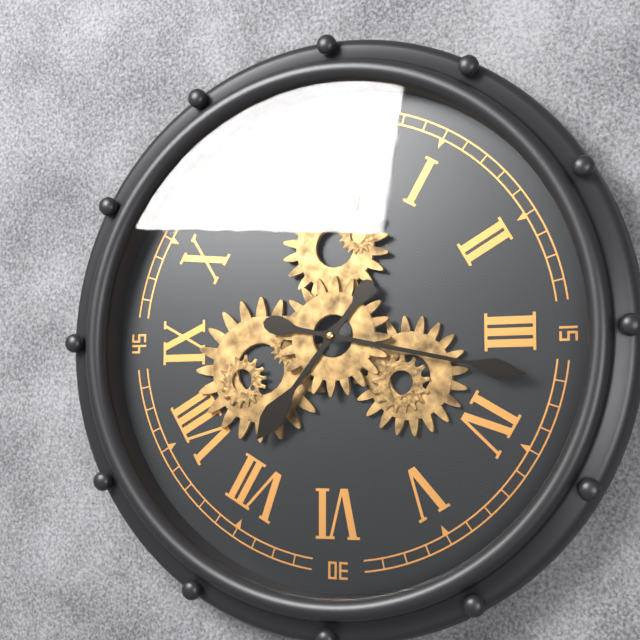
7:17
